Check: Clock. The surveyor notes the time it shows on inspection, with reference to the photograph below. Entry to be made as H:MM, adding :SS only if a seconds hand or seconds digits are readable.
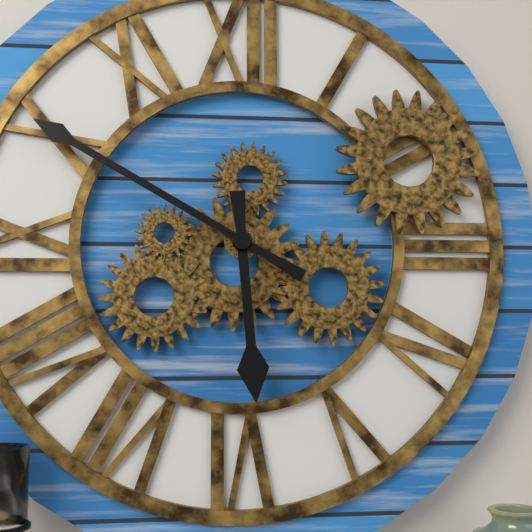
5:50
